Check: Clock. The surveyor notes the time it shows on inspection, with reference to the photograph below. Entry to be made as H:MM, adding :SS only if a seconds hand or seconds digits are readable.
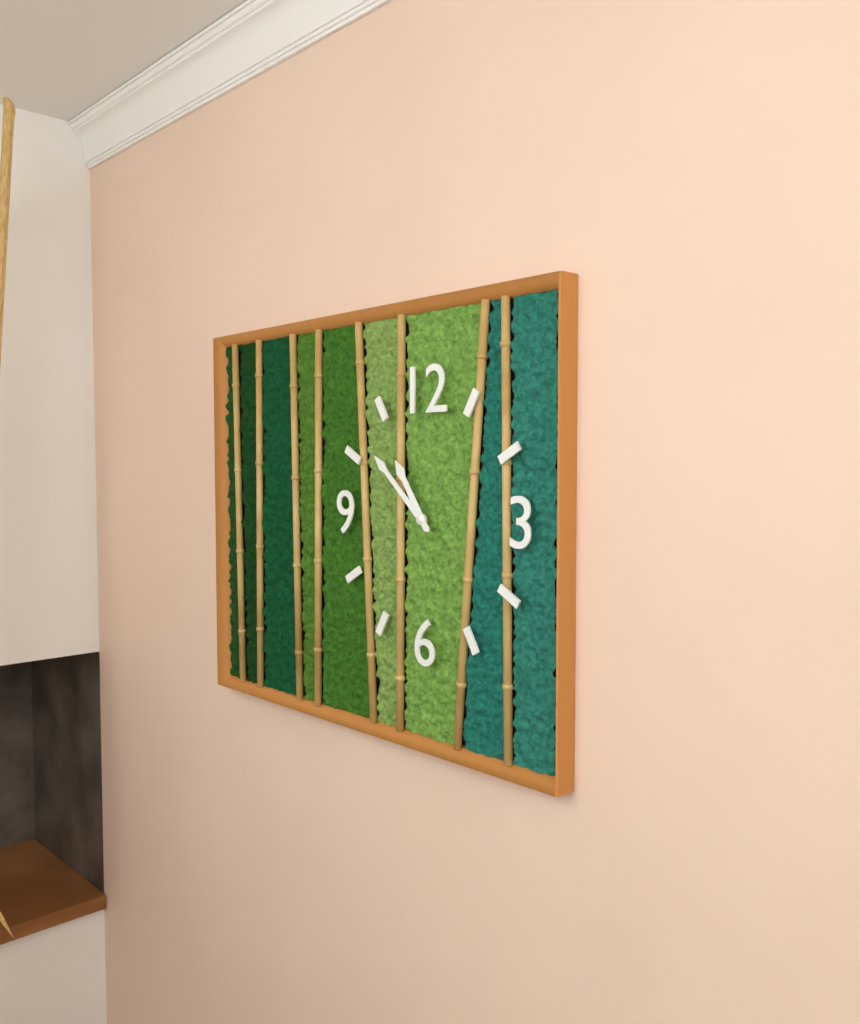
10:52
